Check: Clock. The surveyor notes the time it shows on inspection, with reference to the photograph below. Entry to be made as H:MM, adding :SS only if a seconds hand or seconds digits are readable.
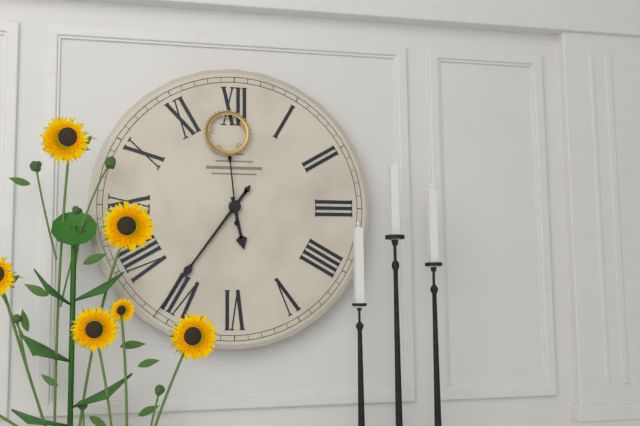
5:36:59
